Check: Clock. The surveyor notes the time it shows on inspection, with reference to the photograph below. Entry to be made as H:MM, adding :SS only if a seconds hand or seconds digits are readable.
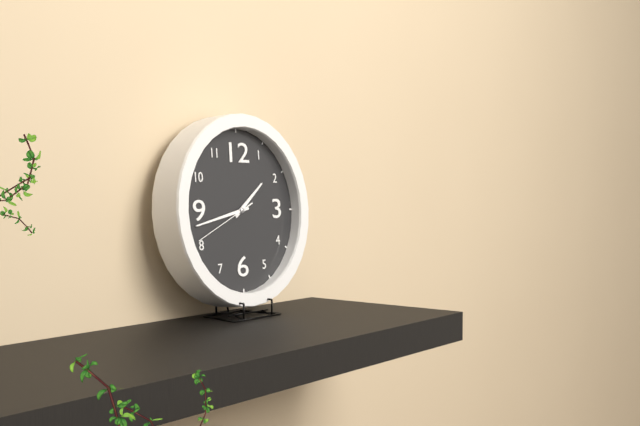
1:43:41
